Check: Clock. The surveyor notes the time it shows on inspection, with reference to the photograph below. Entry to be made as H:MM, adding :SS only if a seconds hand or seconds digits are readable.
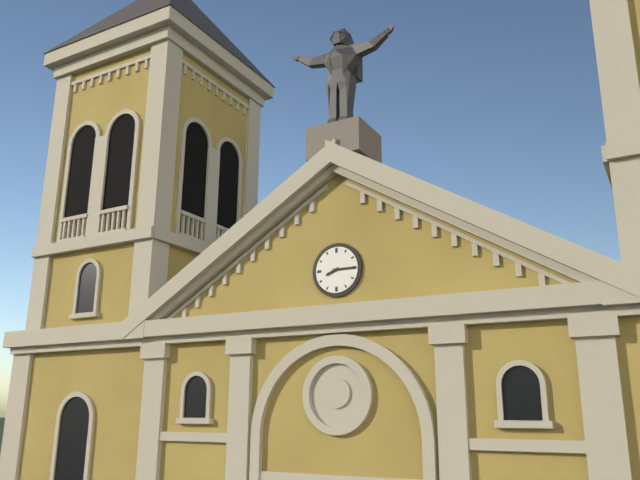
8:15
